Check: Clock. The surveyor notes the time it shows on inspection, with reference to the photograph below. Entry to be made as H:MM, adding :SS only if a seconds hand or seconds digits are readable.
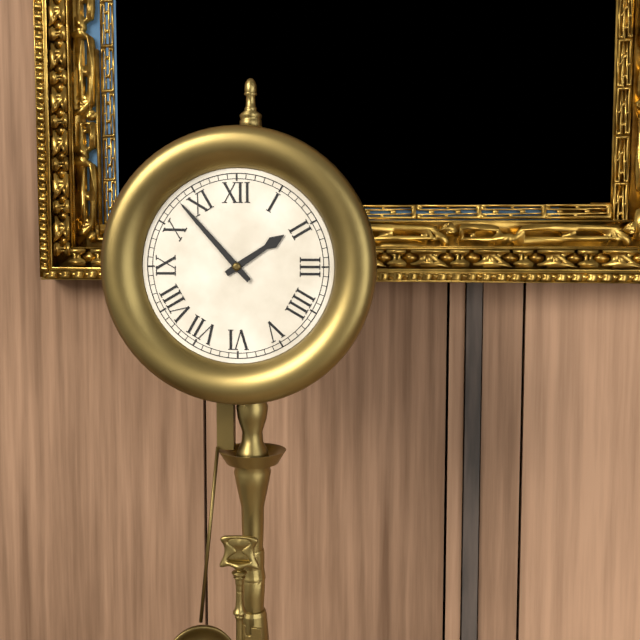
1:53
